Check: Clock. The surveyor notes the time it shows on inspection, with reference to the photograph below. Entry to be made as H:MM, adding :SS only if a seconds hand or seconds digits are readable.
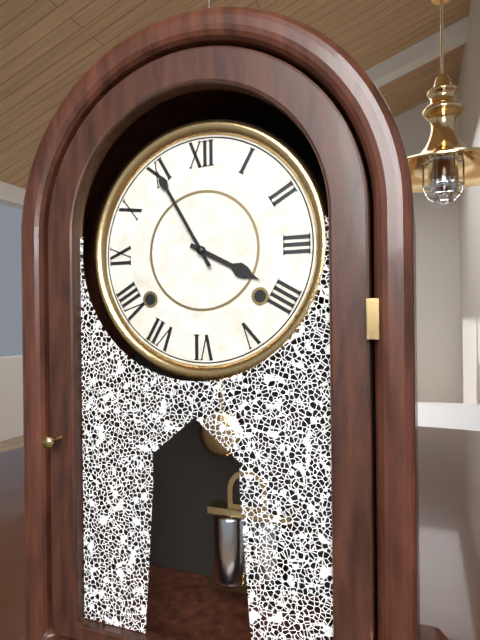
3:55
